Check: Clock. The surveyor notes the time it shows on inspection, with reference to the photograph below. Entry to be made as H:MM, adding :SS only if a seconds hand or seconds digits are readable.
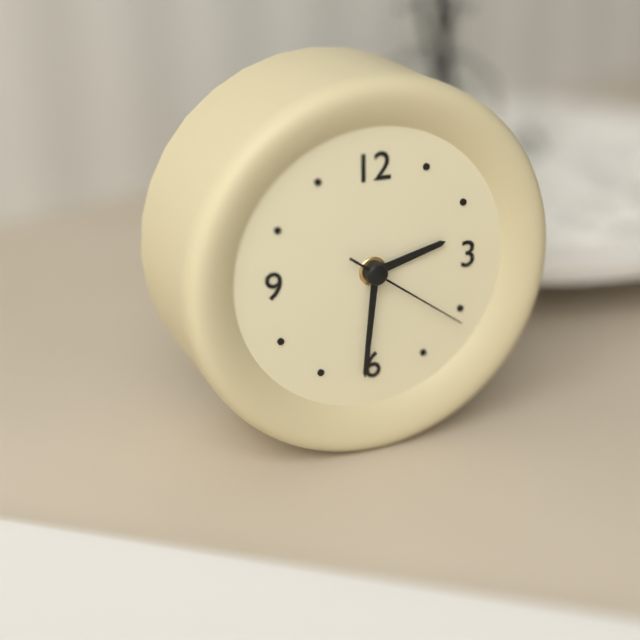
2:31:21
